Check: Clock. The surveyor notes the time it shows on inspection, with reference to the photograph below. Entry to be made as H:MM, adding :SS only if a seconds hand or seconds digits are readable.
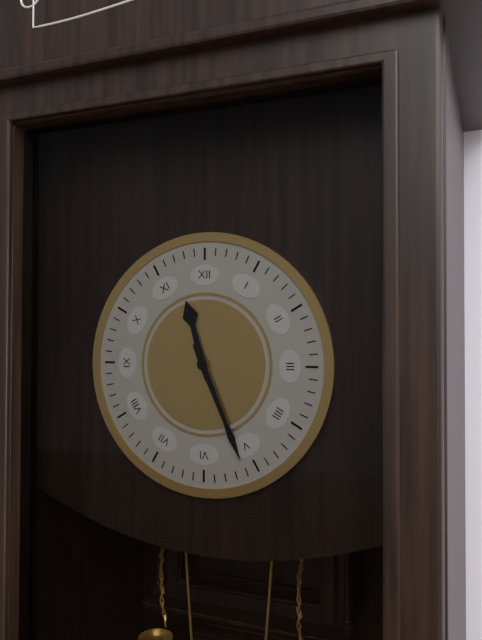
11:26
